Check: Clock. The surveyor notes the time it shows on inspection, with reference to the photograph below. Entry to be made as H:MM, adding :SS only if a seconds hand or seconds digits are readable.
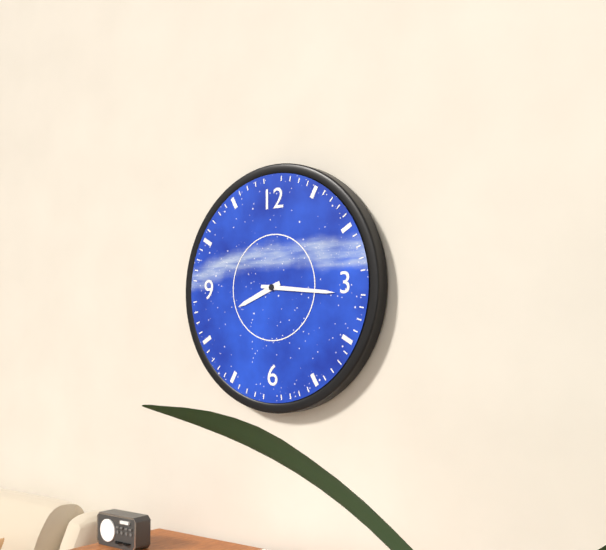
8:16
